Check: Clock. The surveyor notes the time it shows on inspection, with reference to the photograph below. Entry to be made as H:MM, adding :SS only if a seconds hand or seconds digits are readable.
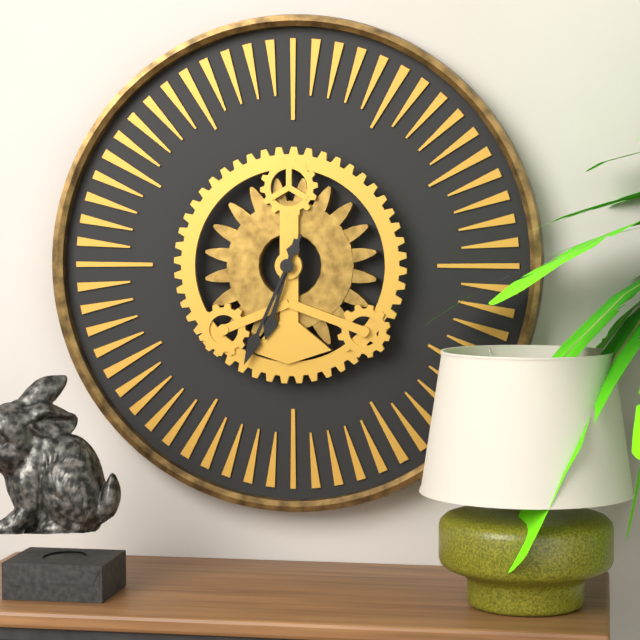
6:34
